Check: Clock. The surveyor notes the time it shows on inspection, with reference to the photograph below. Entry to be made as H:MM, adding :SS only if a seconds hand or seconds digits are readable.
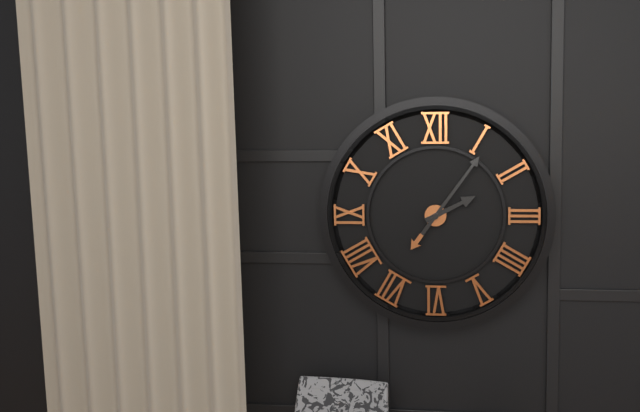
2:06
